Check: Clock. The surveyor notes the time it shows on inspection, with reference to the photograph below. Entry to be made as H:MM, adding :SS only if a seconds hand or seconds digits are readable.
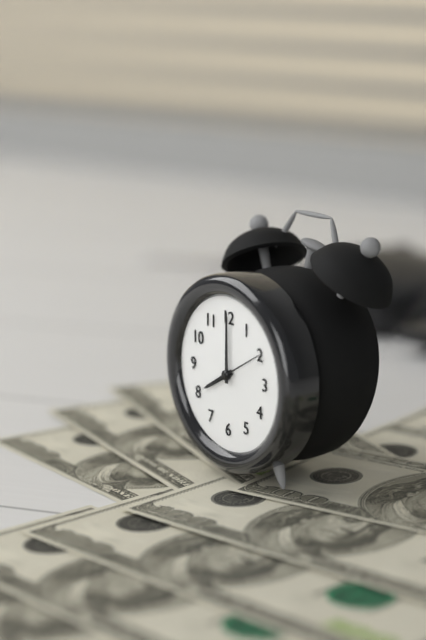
8:00
